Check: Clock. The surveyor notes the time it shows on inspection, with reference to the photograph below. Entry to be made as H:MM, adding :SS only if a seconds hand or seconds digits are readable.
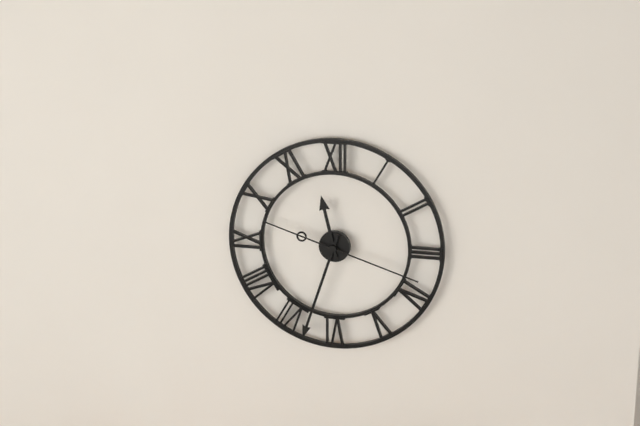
11:33:18
